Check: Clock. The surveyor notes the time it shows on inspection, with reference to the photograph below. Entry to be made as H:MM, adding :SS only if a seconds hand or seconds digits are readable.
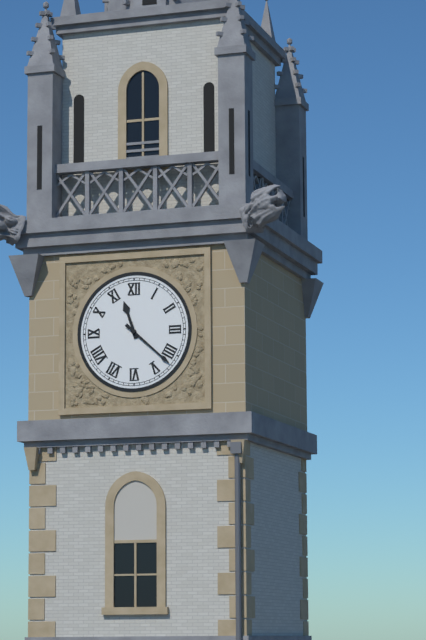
11:22
